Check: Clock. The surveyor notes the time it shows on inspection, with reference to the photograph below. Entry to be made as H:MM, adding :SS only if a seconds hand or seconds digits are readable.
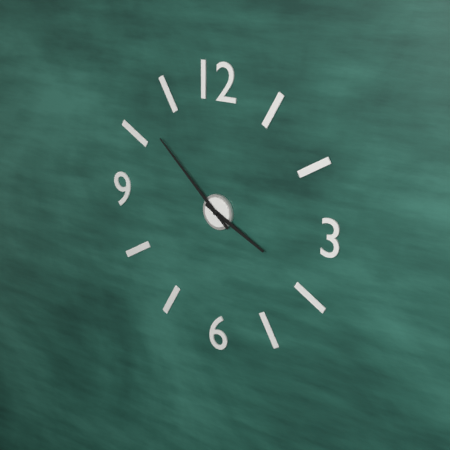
3:52
